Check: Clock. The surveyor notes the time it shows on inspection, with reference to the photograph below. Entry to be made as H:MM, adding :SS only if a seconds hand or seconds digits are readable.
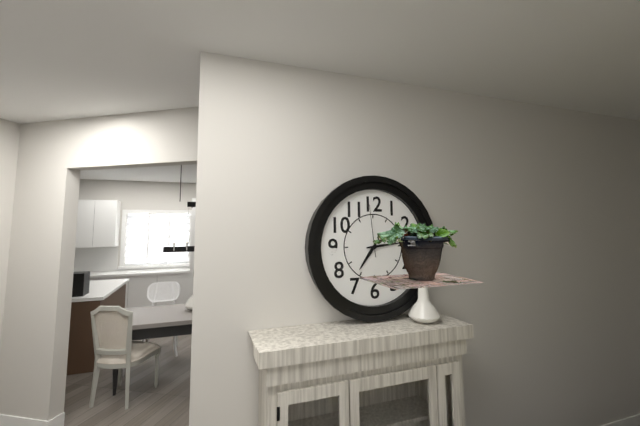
7:14:59
